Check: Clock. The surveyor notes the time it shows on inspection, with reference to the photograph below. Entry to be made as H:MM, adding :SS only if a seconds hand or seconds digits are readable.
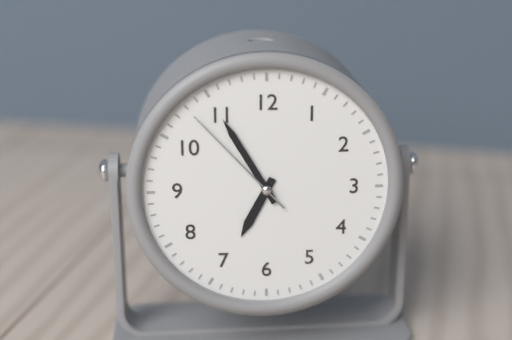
6:55:53
